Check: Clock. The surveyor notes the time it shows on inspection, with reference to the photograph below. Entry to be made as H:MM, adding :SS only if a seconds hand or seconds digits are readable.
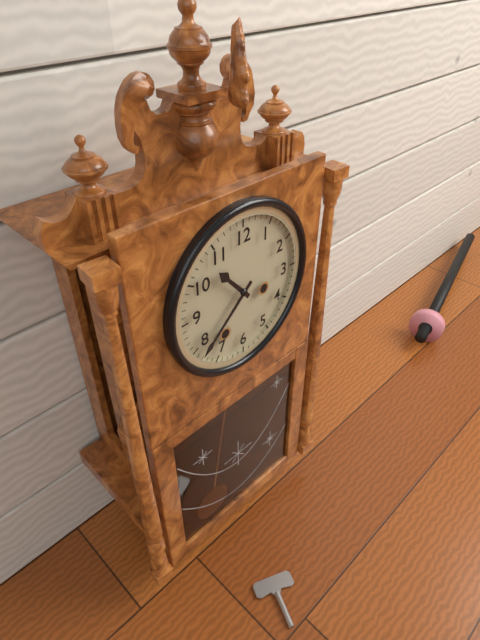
10:38
